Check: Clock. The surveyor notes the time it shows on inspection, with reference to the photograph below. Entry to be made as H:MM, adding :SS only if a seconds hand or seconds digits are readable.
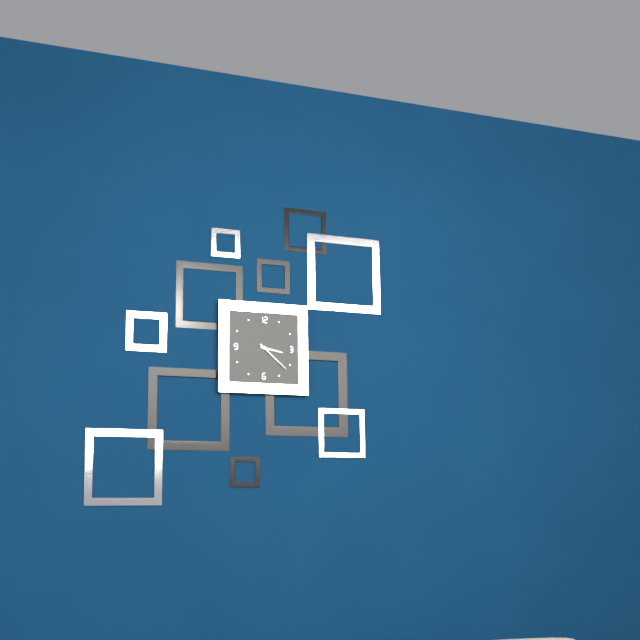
3:22
